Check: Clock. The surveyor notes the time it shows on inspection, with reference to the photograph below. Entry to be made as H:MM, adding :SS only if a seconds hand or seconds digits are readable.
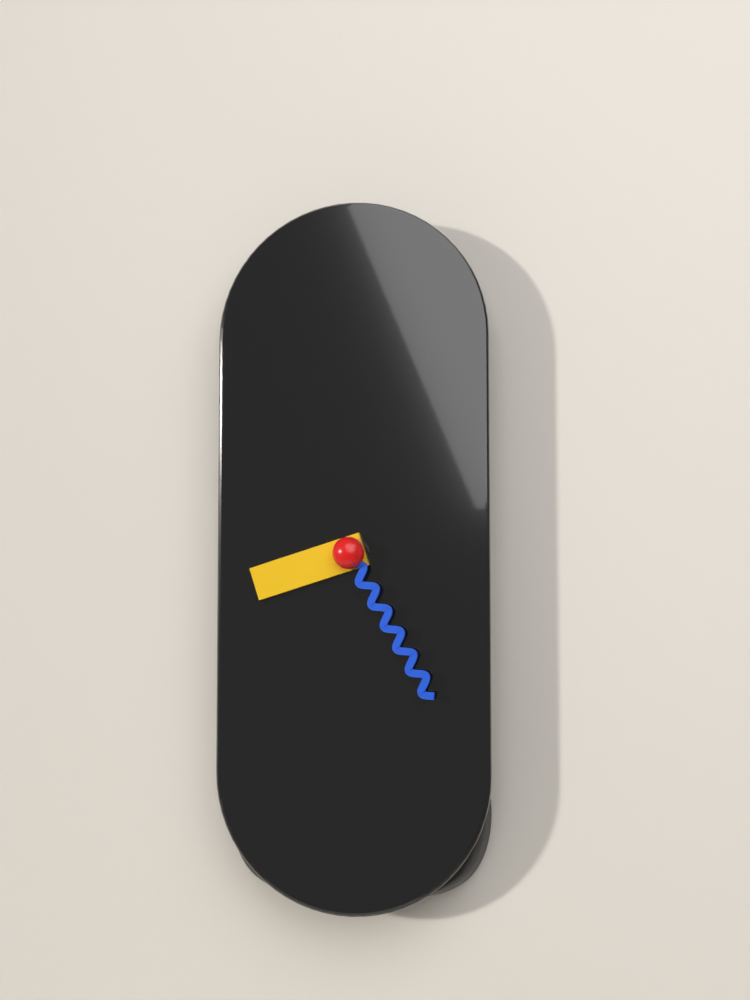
8:25
